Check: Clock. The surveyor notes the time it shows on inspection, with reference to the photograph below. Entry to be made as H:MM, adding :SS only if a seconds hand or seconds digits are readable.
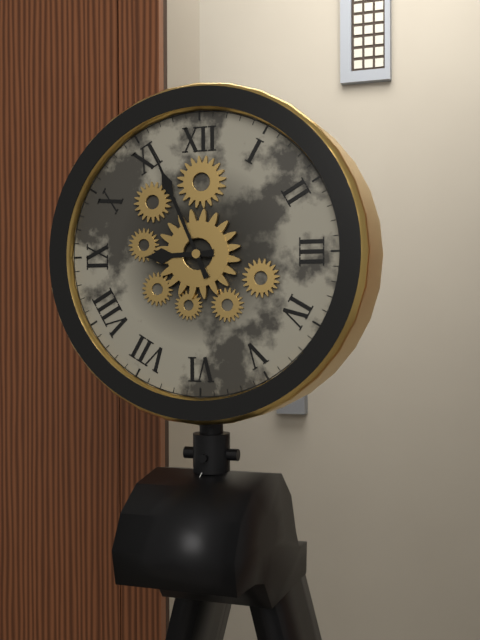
8:56
